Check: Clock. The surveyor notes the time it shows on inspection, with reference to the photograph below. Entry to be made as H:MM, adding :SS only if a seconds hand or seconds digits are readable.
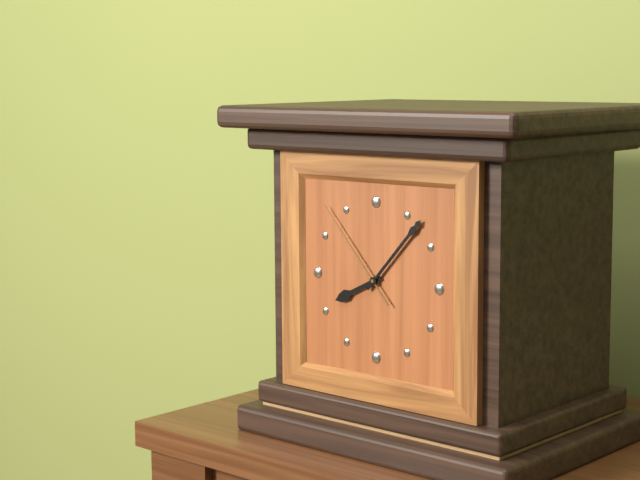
8:07:53
